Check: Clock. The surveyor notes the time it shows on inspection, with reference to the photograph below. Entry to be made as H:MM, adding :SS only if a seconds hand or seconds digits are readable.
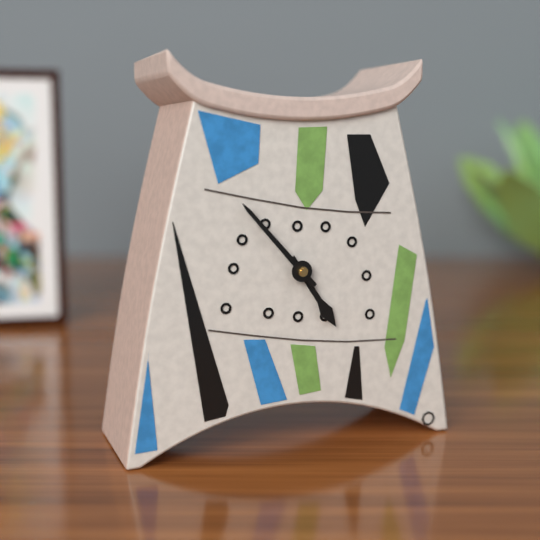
4:53
